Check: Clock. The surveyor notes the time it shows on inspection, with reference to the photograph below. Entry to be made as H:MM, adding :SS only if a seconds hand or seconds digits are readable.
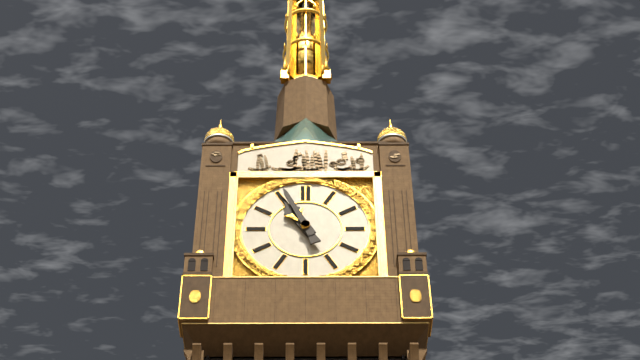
10:56
